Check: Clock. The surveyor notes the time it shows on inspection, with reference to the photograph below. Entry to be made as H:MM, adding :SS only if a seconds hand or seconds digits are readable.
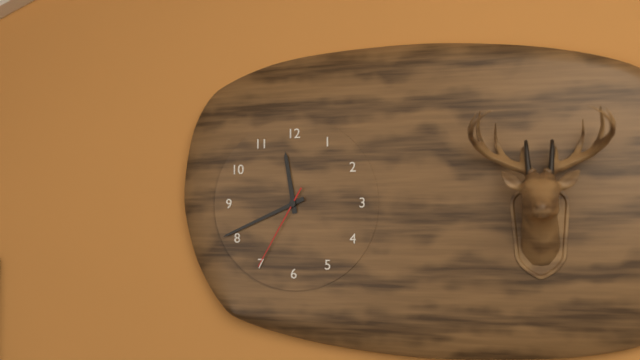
11:41:35
